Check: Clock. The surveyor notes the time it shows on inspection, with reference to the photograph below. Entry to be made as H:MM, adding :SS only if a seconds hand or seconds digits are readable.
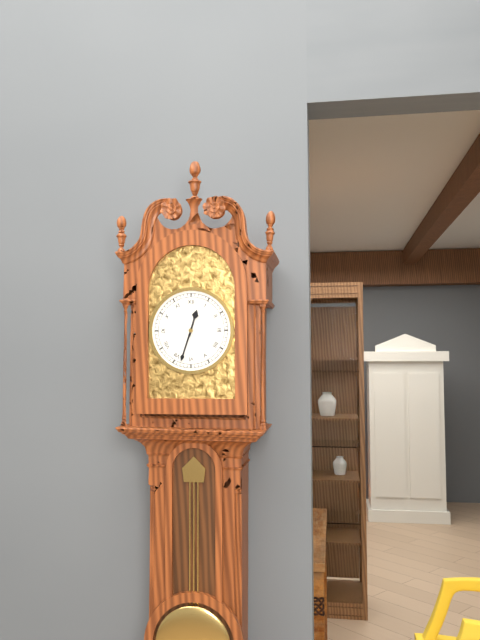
12:33
